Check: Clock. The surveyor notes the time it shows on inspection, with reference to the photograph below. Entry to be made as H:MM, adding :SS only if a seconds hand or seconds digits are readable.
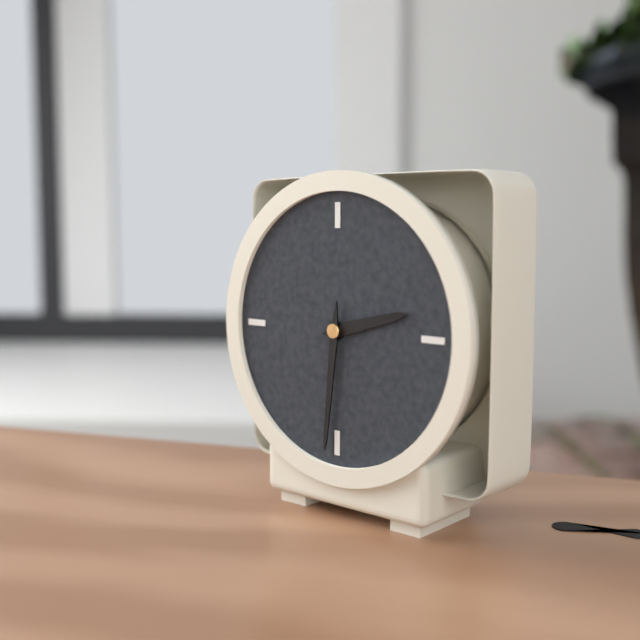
2:31
